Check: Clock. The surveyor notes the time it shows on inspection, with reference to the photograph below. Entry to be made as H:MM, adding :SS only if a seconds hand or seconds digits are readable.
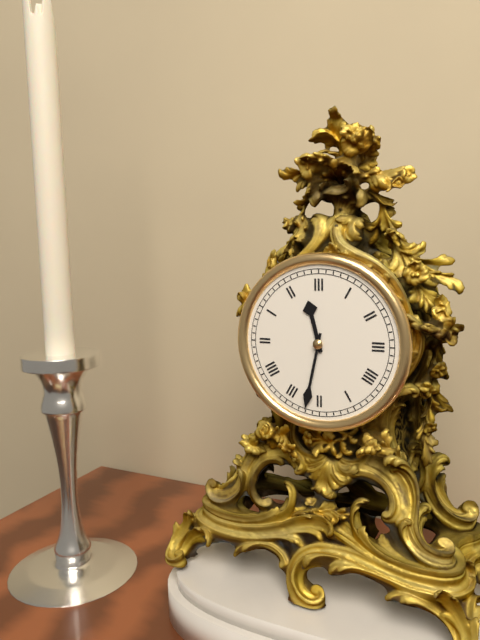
11:32
